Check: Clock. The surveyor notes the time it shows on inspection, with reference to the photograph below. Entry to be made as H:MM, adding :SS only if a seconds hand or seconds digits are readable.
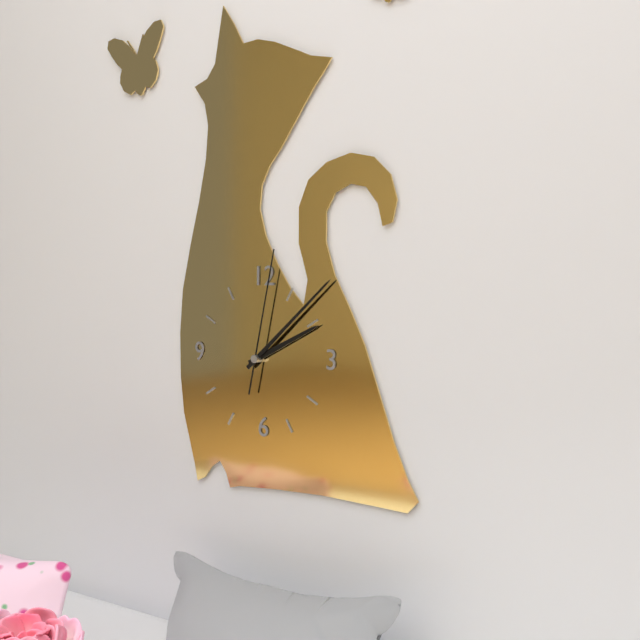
2:08:02
